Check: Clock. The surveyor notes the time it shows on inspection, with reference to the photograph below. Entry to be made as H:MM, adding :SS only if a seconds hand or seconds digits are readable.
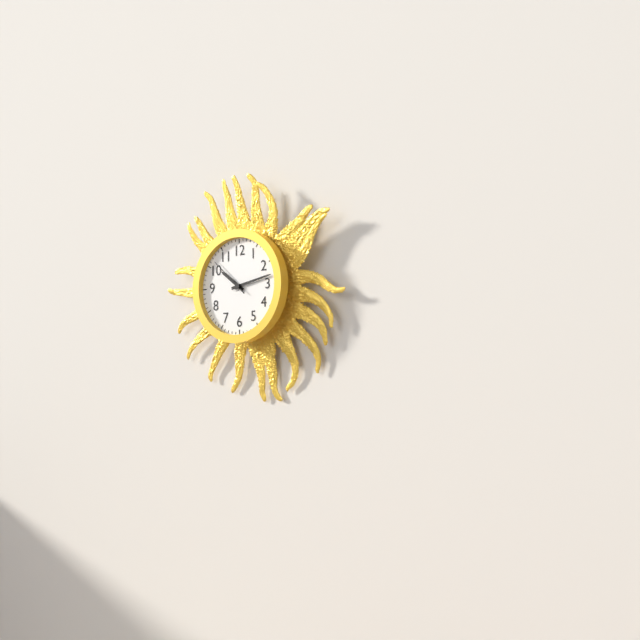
10:13
